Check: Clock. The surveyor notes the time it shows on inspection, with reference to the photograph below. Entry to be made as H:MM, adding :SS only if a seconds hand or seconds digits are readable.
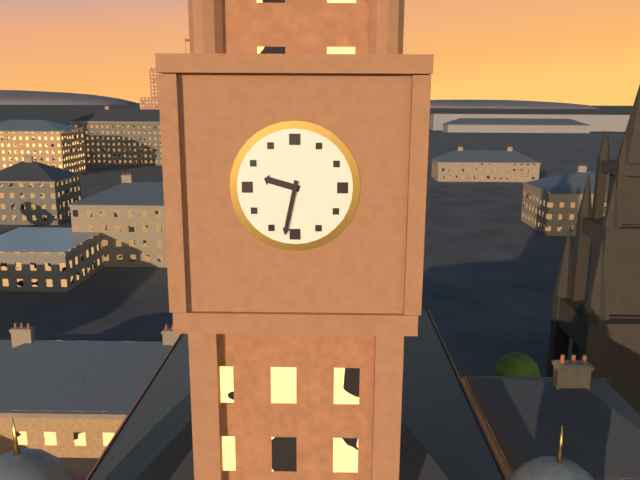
9:32
